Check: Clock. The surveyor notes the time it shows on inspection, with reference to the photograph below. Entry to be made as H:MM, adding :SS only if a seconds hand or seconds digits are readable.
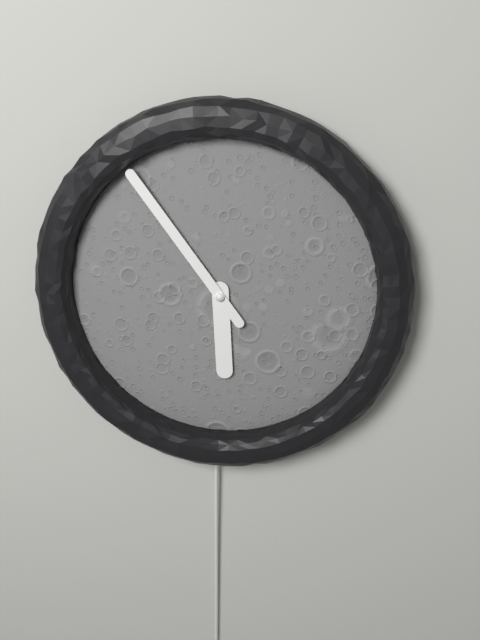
5:54
